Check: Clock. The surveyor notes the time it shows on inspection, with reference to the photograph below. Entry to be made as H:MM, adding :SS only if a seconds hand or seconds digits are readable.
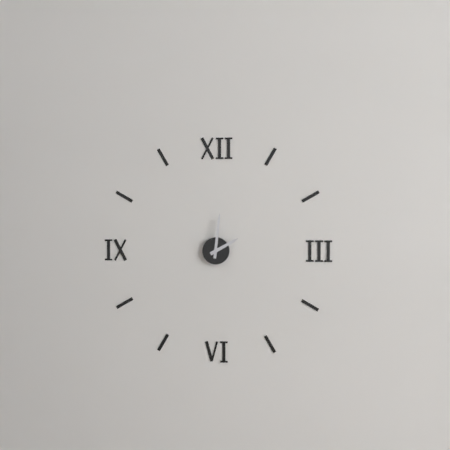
2:01
